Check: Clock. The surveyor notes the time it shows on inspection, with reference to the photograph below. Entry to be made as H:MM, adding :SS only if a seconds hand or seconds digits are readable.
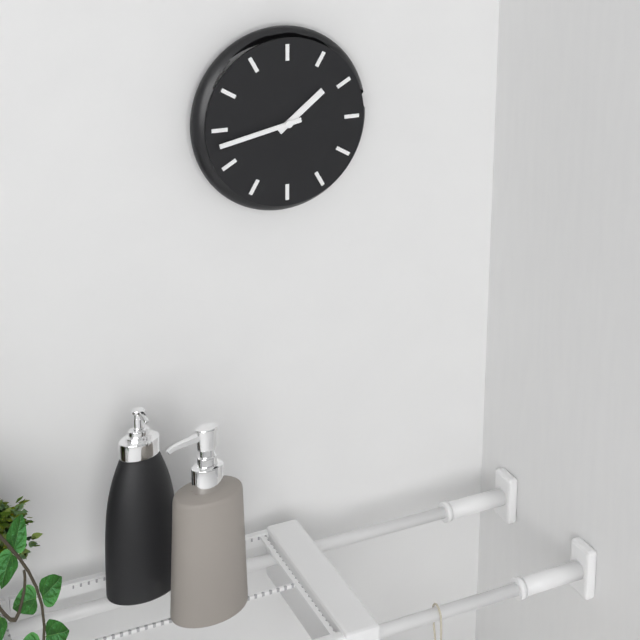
1:43
